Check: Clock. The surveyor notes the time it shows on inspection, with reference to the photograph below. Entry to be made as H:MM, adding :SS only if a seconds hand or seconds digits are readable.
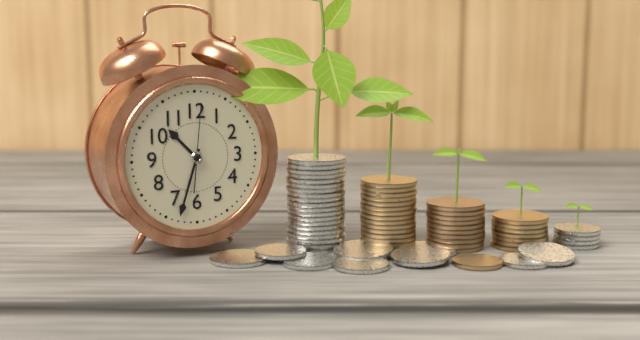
10:33:01
